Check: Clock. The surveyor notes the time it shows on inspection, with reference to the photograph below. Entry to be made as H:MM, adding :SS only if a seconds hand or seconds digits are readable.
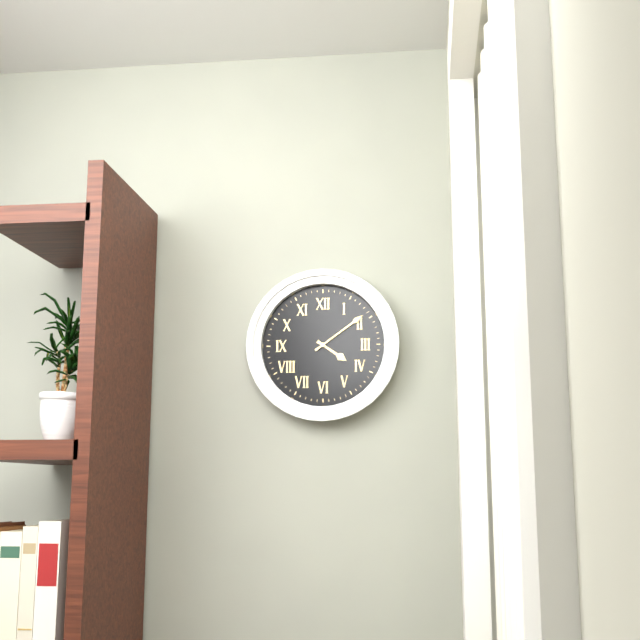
4:09
